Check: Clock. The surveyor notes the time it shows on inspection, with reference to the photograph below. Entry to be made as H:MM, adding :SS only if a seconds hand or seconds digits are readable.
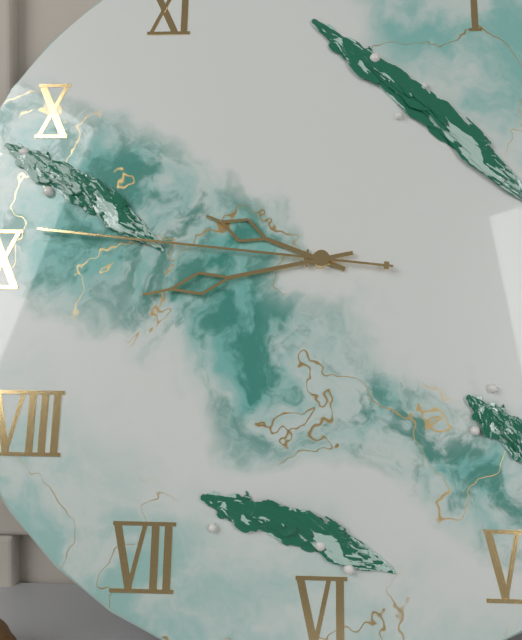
9:43:46
